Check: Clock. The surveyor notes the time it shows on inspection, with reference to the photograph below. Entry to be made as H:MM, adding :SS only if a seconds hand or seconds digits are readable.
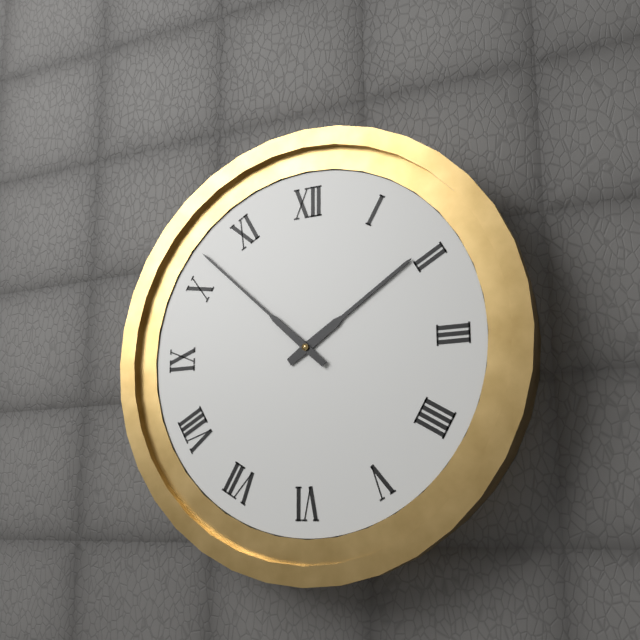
1:52
